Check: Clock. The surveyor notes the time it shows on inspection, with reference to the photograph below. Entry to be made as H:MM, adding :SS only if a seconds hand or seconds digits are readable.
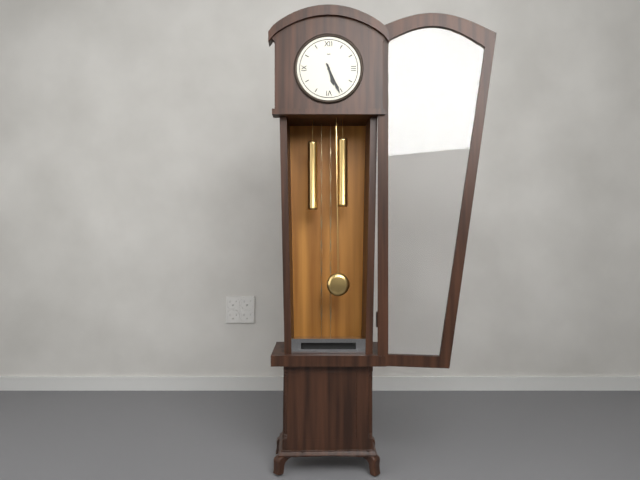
5:26
